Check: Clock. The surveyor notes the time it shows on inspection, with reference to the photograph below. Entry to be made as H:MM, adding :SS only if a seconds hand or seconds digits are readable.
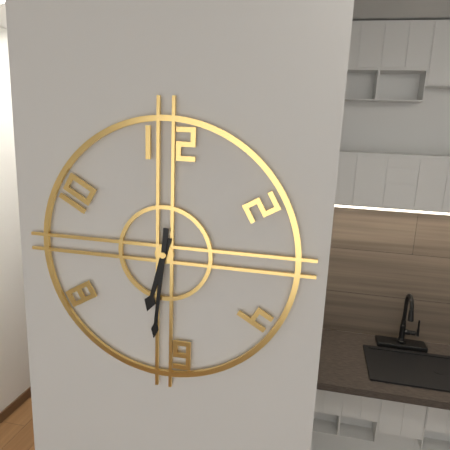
6:31
